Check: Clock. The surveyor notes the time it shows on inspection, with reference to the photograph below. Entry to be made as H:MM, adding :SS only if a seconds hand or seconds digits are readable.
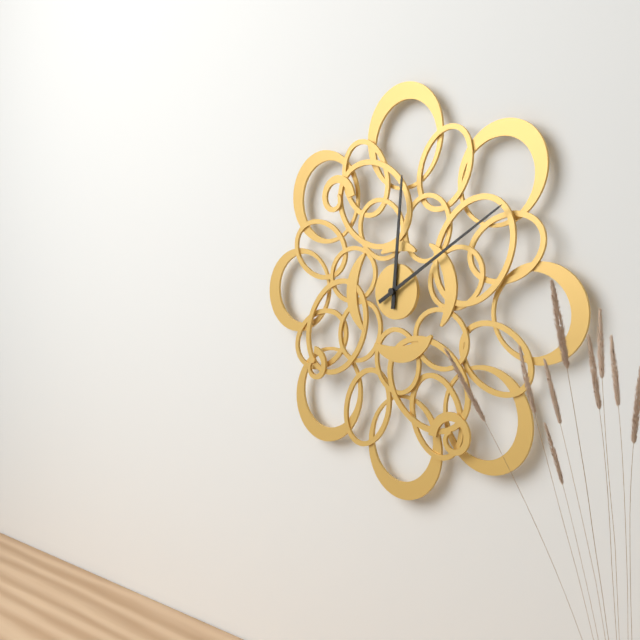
12:10
